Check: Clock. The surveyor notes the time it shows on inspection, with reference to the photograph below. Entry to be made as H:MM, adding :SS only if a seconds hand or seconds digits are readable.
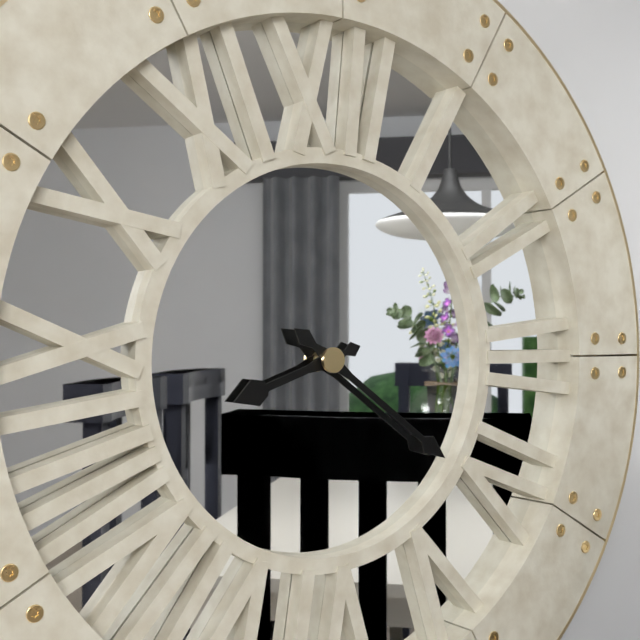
8:21
